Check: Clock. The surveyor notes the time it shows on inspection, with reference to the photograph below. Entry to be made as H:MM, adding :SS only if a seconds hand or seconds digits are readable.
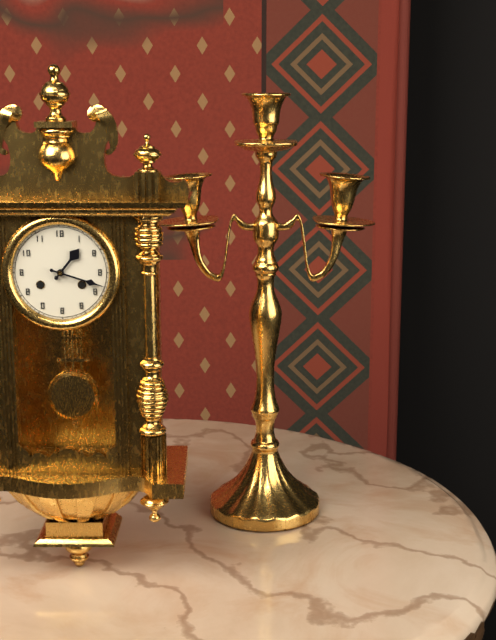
1:18
